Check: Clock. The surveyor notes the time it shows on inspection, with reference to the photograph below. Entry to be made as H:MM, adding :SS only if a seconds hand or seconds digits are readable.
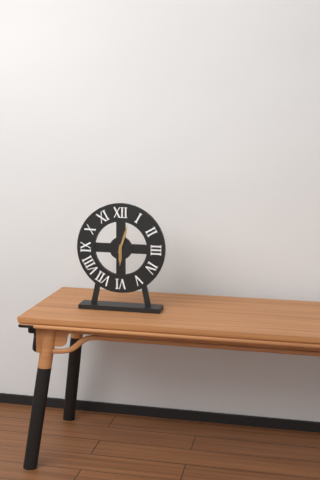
6:03
